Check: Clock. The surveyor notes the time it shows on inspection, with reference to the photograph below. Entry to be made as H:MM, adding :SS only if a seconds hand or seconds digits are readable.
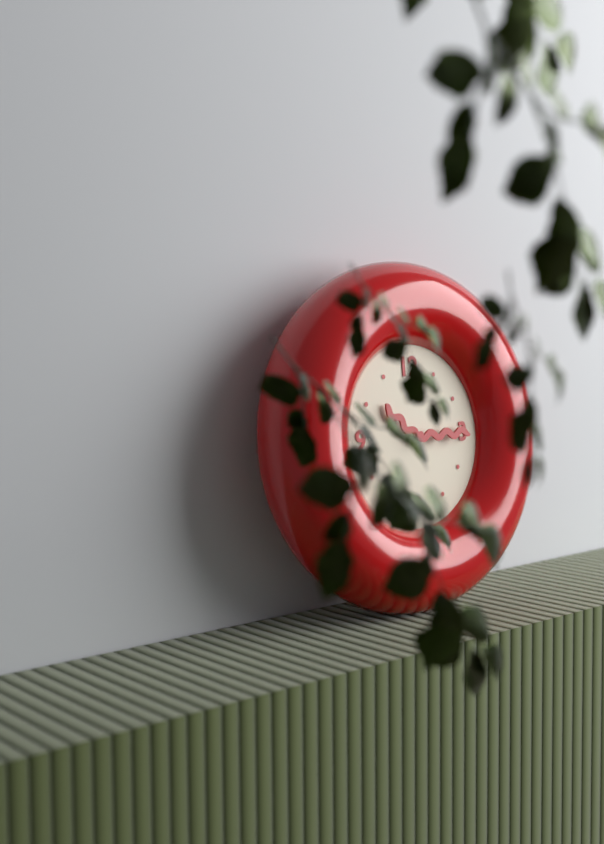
10:15
